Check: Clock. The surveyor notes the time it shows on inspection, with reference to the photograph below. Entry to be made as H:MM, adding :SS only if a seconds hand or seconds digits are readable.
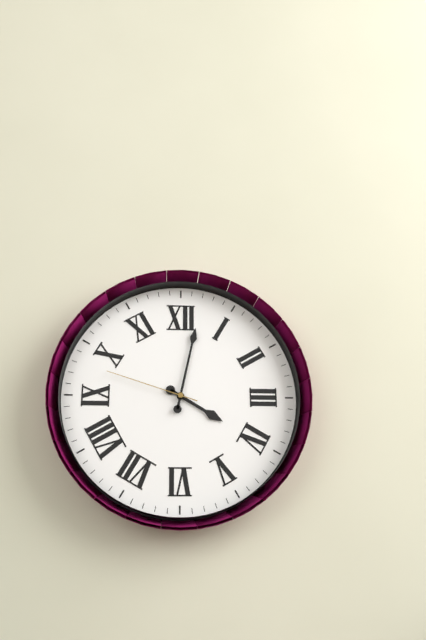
4:02:48
